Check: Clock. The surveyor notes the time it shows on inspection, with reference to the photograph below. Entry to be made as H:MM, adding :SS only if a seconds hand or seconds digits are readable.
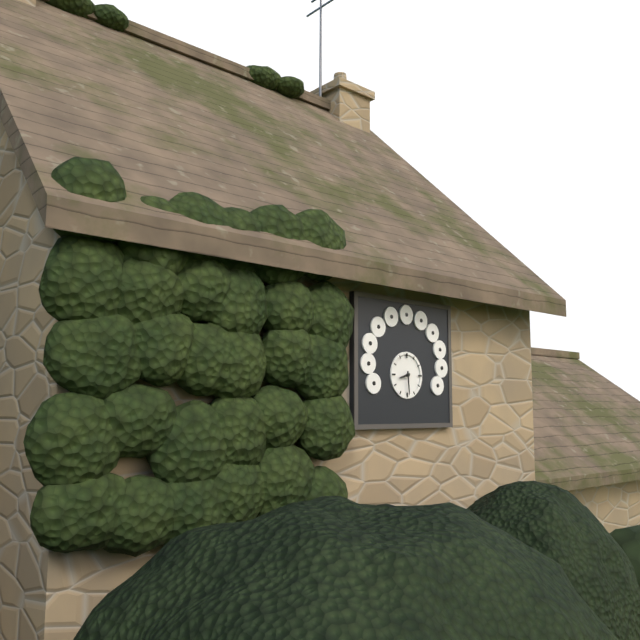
8:29
